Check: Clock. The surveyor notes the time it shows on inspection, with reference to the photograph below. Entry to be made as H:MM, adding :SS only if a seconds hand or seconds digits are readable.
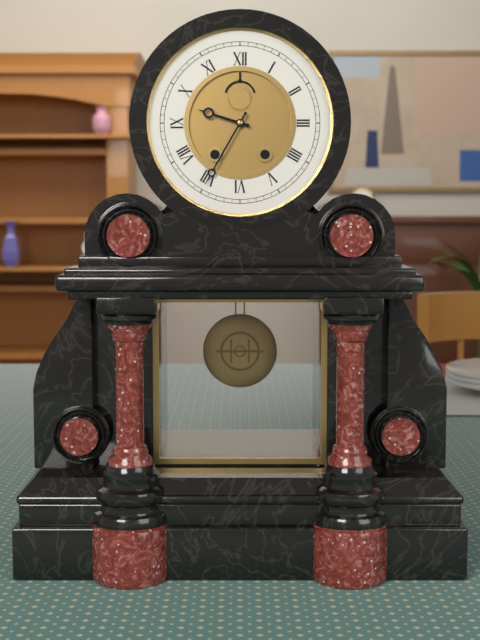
9:35
